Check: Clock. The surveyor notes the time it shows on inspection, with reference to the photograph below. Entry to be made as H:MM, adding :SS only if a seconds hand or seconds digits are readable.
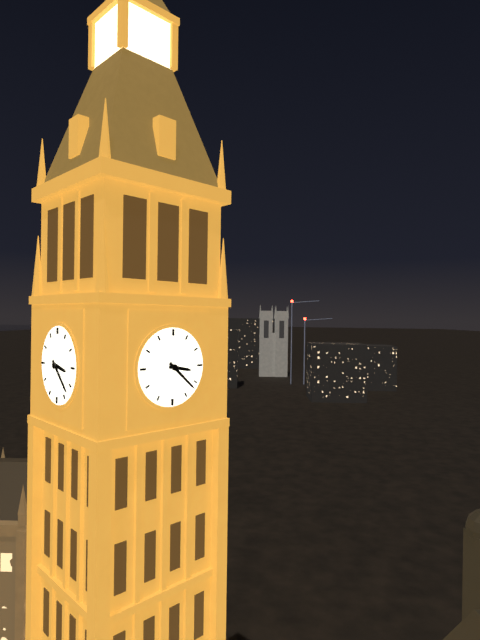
3:22
